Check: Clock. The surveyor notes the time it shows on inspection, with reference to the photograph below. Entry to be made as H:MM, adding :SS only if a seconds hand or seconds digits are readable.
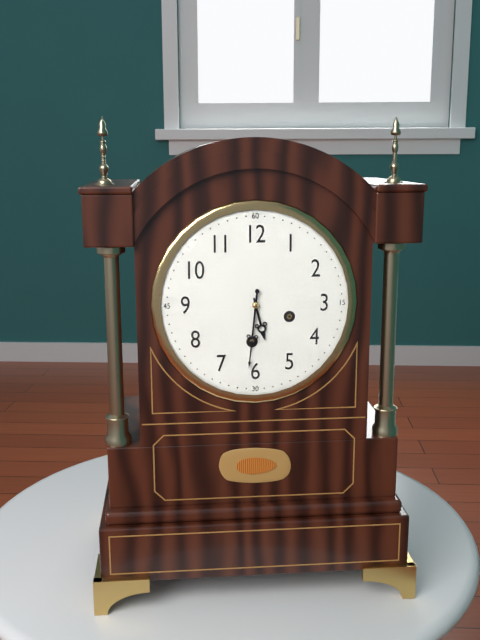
5:31
